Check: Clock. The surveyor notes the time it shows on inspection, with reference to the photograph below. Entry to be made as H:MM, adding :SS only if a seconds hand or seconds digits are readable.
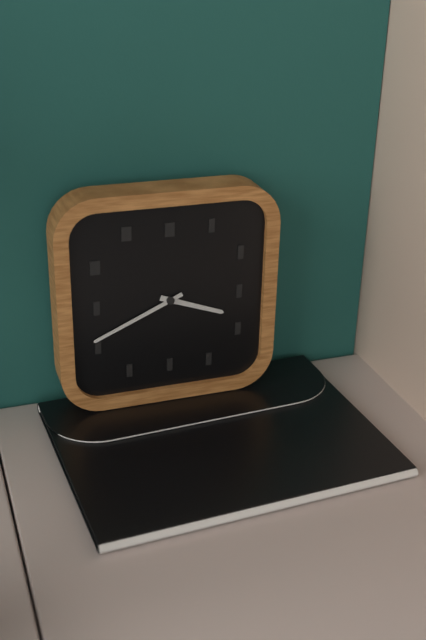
3:41
